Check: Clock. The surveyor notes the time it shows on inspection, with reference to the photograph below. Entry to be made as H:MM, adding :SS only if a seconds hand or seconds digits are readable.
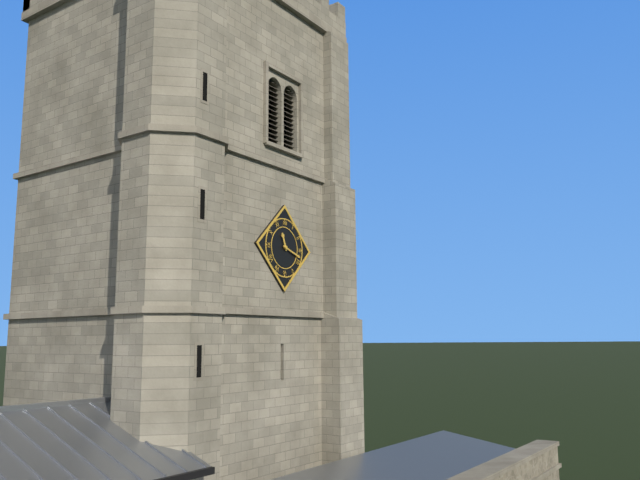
11:18
